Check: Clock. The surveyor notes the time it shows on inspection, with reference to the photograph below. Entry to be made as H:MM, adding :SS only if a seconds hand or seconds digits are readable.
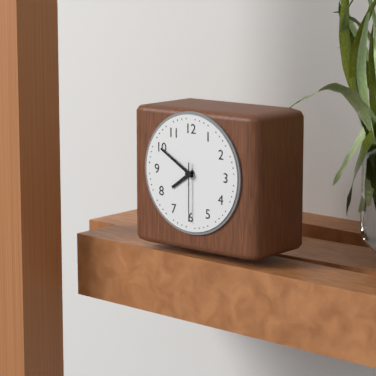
7:50:30
